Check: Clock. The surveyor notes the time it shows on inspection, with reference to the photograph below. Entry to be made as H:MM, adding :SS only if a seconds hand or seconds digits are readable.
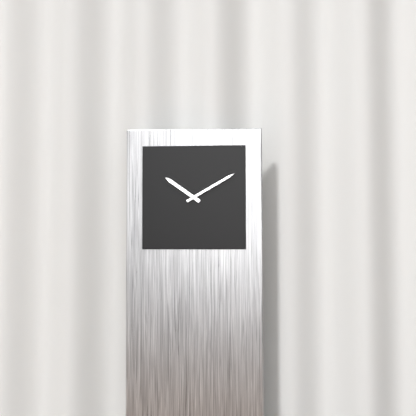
10:10
